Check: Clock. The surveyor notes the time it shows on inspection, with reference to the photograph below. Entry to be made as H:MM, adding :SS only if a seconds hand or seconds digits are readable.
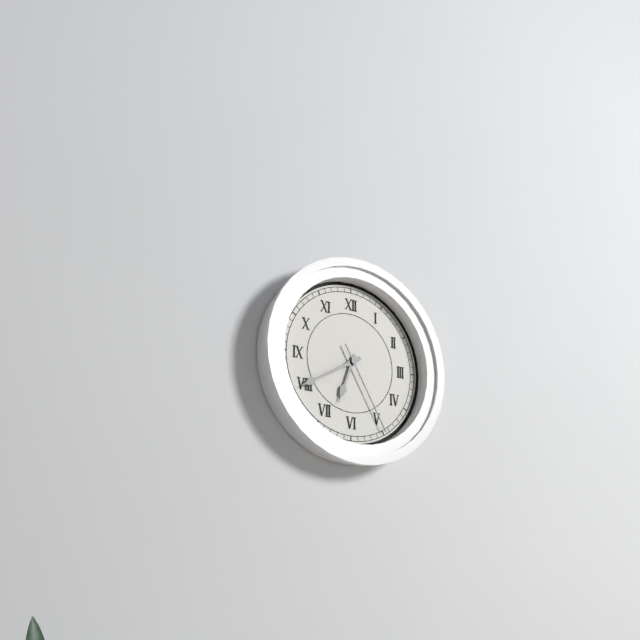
6:40:25
